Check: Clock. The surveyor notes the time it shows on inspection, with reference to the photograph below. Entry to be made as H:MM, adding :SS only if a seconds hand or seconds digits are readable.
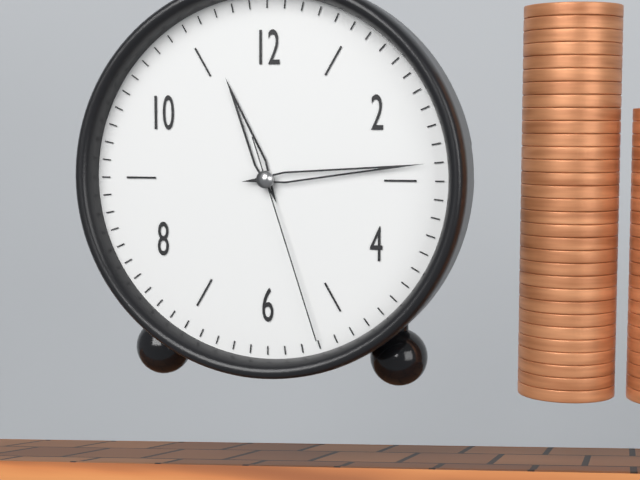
11:14:27
